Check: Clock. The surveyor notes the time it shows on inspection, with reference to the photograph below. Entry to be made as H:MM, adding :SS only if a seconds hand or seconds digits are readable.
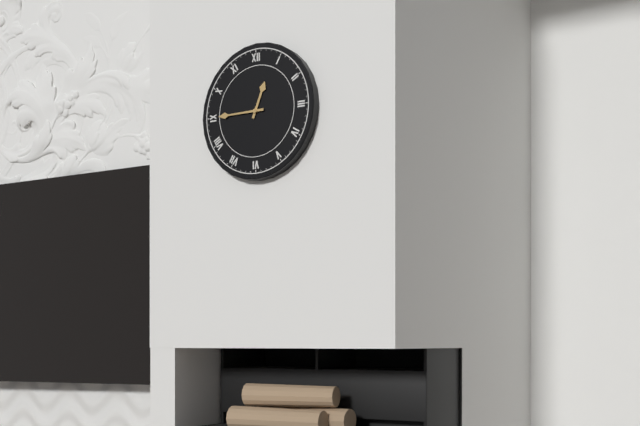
12:45
